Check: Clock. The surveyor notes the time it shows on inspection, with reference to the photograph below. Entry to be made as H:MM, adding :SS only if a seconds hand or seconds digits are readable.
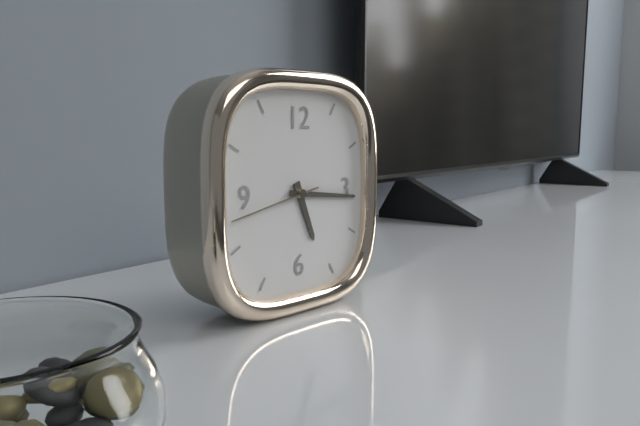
5:16:43
